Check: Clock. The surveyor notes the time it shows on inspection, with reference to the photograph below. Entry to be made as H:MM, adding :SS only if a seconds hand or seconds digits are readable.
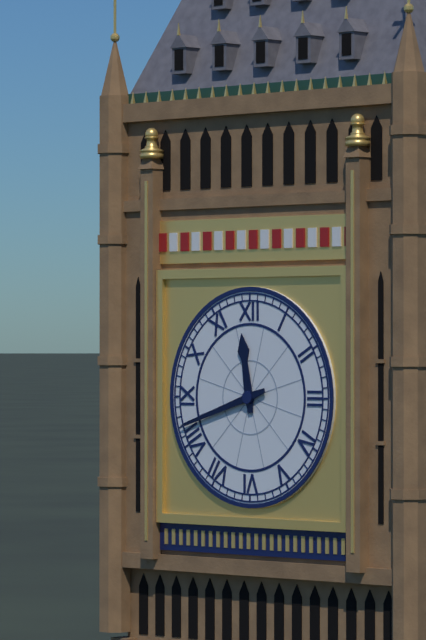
11:42
